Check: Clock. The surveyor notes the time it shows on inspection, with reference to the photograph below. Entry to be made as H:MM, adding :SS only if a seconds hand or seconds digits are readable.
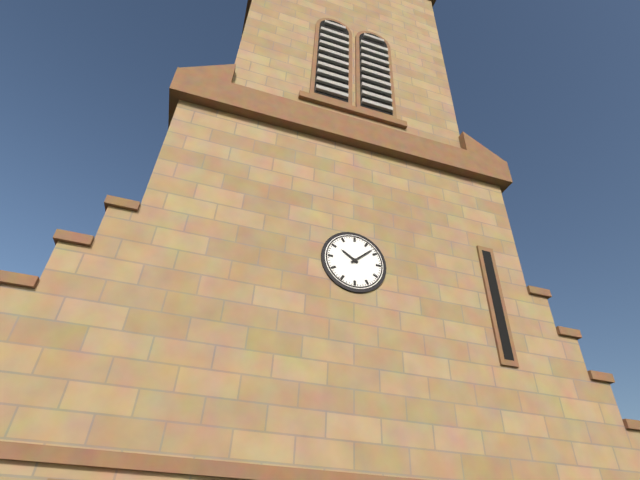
10:08
